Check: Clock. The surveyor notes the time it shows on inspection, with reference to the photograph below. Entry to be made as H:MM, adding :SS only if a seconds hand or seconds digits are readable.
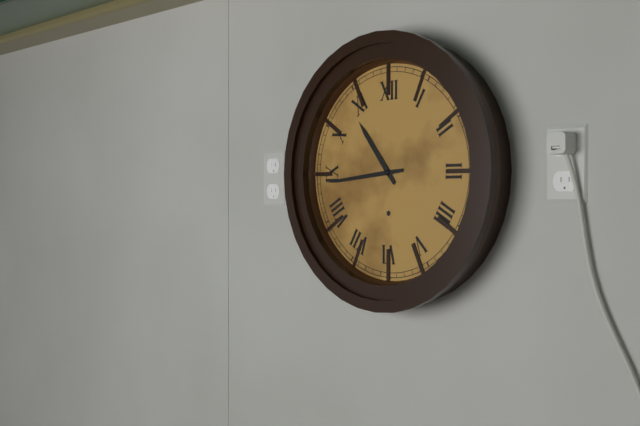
10:44
